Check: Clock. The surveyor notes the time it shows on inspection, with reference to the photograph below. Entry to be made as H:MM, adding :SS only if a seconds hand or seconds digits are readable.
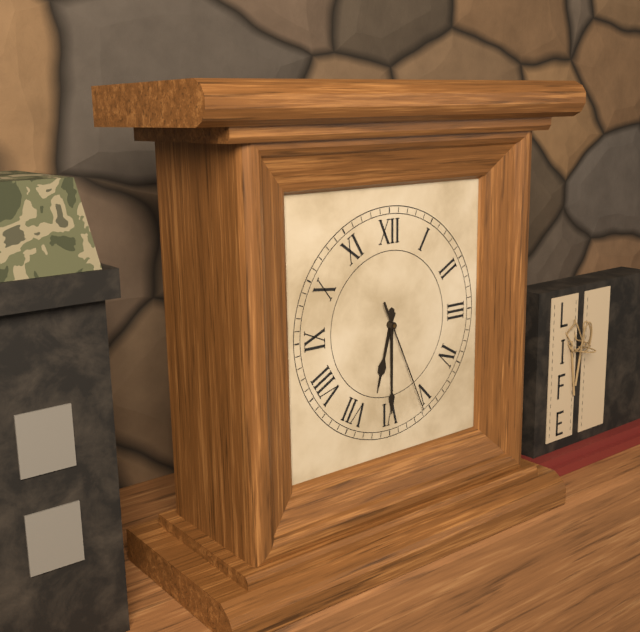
6:30:26
